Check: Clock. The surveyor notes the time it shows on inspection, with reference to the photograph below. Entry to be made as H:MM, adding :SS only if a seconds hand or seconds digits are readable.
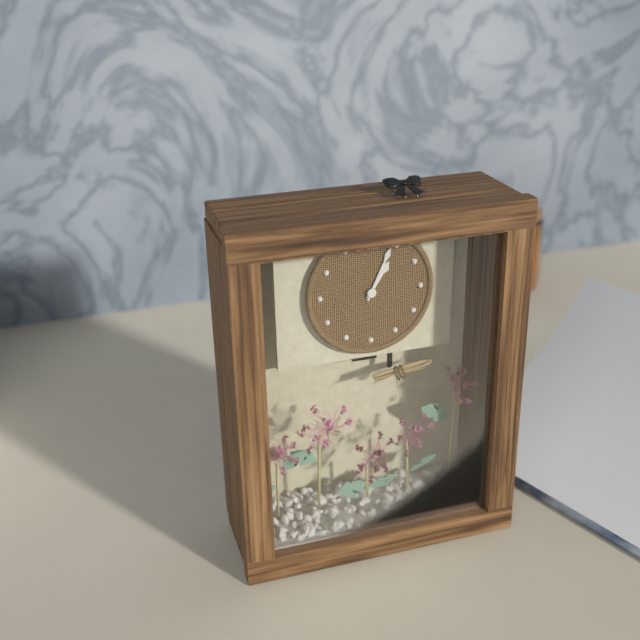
1:04
